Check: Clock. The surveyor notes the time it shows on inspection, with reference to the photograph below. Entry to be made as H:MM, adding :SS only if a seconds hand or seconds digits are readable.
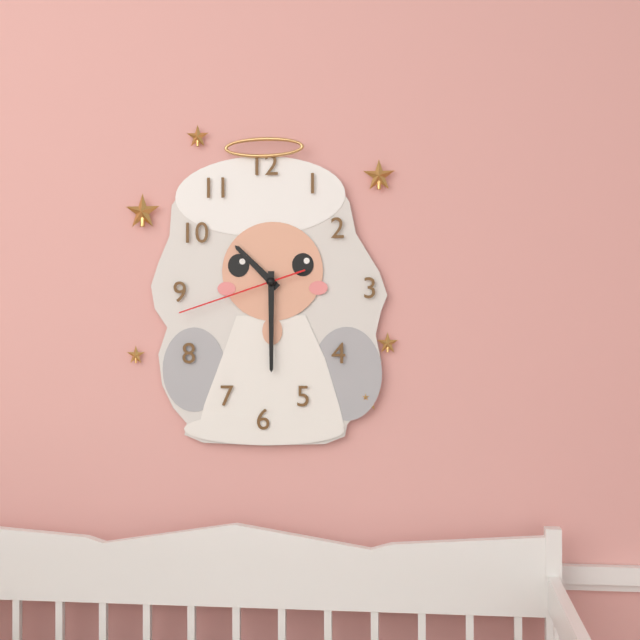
10:30:42
